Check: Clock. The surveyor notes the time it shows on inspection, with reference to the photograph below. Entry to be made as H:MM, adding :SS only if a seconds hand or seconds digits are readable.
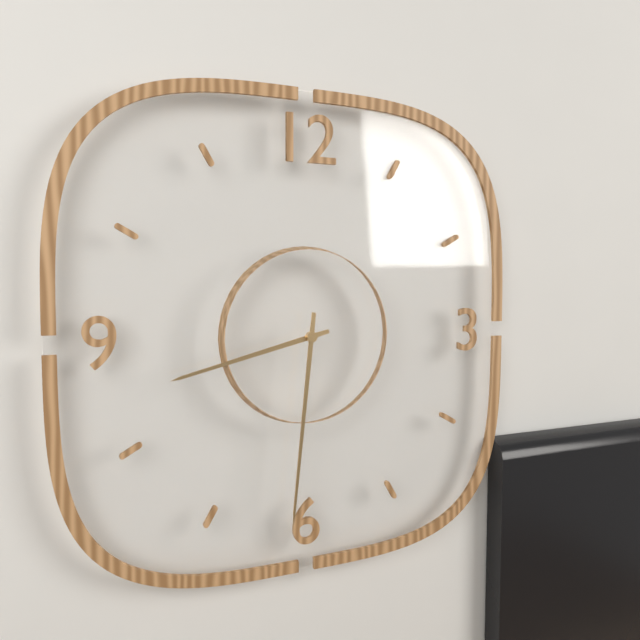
8:31
